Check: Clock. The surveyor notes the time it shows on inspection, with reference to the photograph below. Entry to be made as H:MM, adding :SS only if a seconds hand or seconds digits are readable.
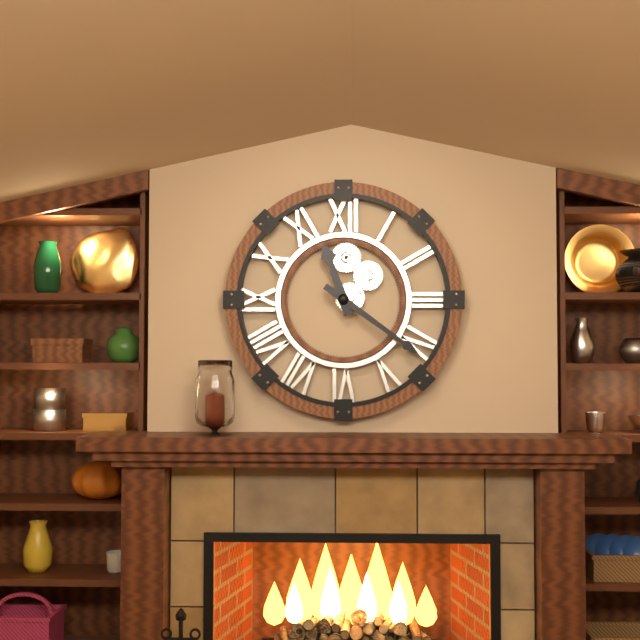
11:21
